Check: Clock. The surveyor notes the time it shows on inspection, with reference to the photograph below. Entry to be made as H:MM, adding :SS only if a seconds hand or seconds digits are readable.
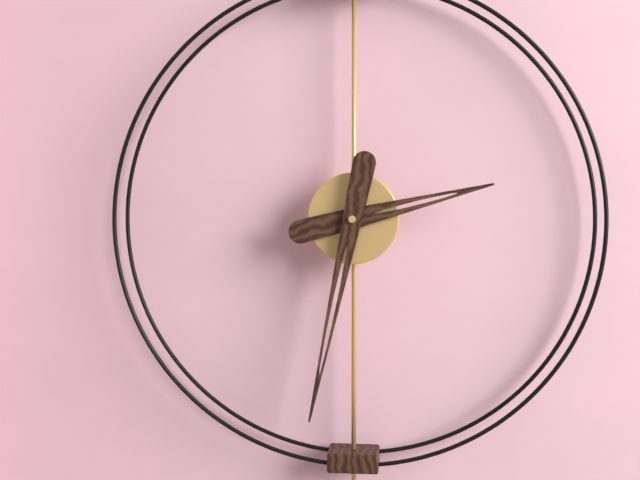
2:32
